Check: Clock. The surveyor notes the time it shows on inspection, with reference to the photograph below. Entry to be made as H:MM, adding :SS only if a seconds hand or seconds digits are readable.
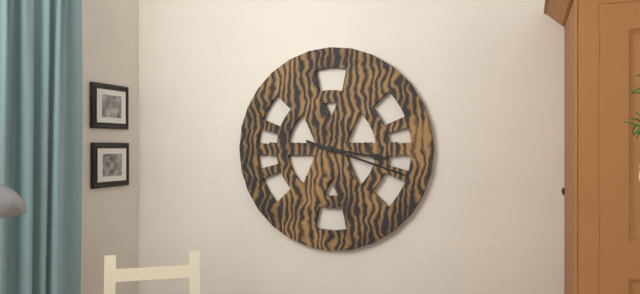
3:18
